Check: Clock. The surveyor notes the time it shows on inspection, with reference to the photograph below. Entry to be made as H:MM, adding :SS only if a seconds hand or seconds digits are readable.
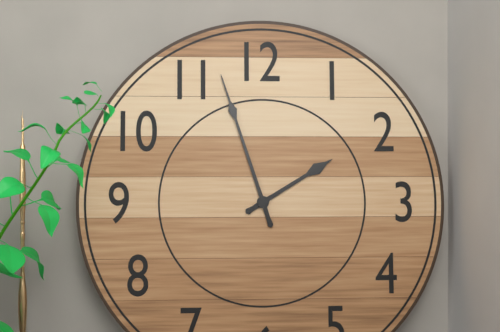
1:57
